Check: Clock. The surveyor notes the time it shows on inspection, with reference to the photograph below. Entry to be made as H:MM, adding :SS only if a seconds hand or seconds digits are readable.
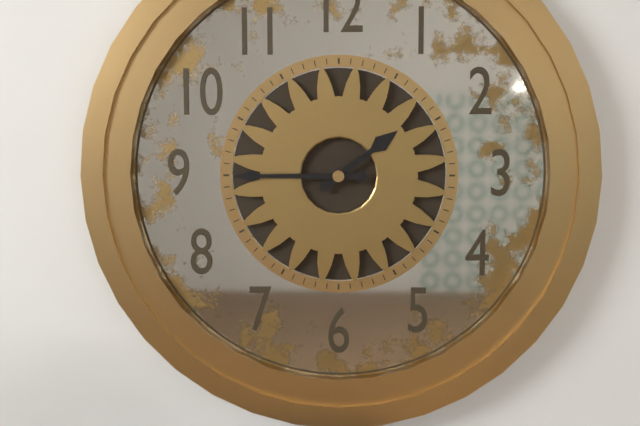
1:45
